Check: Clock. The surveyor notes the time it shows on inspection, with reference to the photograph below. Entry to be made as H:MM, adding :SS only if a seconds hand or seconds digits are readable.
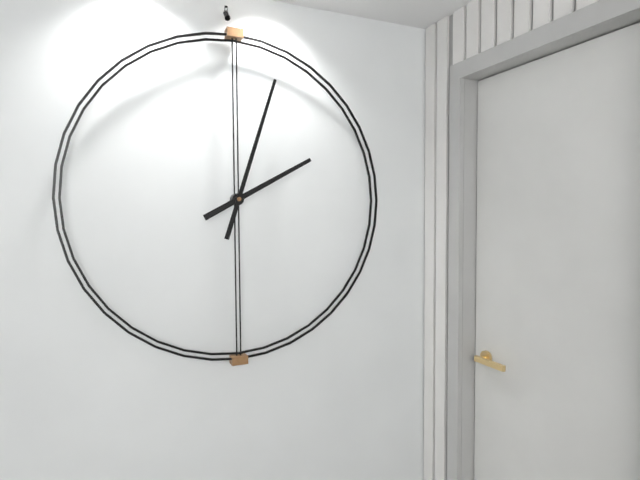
2:03
